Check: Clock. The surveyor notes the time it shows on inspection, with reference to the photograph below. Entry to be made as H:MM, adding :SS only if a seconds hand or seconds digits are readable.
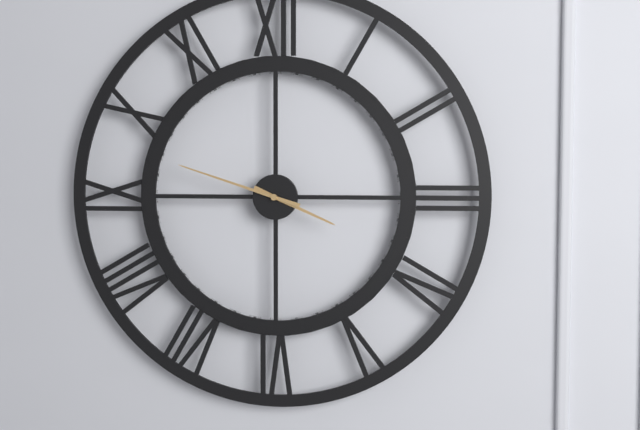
3:48
